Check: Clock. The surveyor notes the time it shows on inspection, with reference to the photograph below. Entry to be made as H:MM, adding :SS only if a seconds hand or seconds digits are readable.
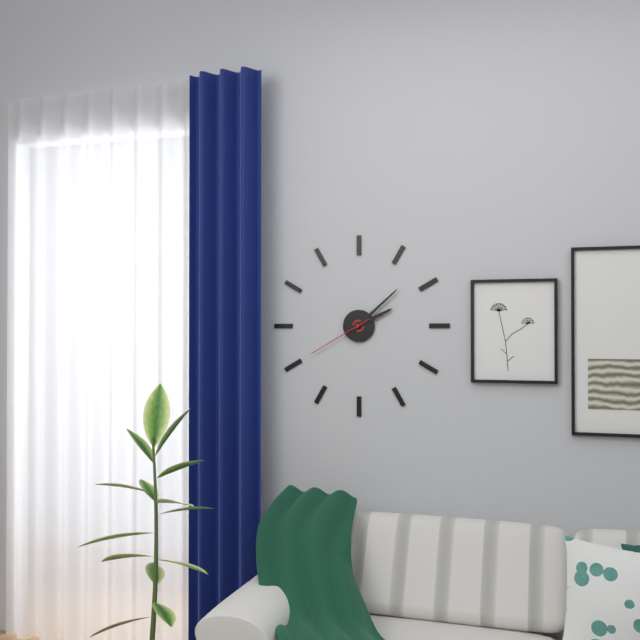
2:08:40
